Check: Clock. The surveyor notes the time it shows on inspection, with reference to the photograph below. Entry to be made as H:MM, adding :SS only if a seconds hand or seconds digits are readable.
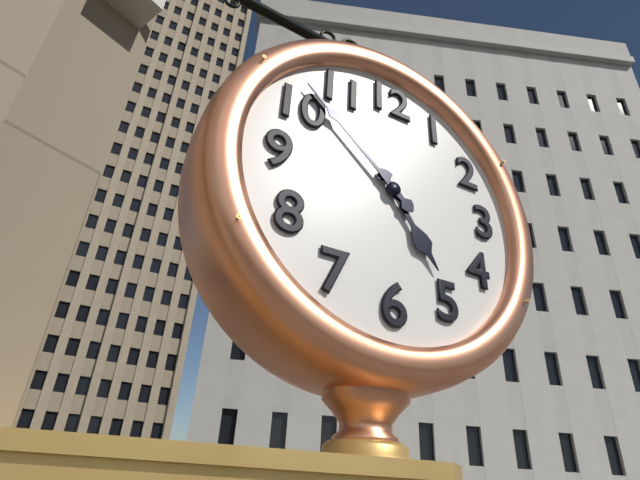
4:52
